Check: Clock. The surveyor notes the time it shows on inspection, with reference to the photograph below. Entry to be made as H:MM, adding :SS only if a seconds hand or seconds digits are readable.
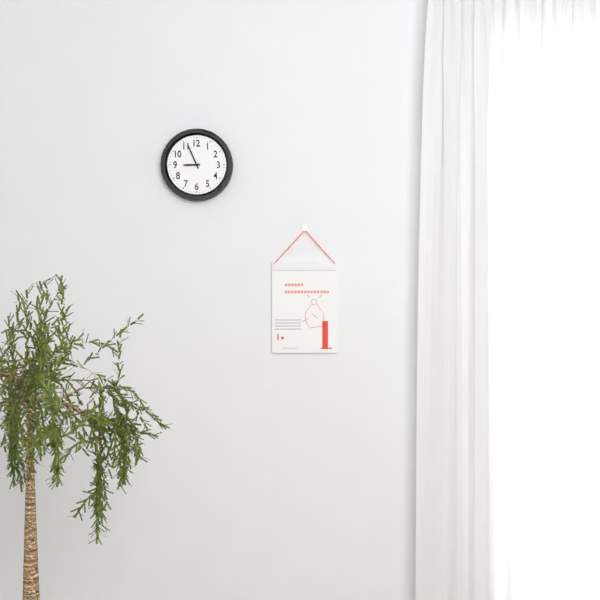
8:56
